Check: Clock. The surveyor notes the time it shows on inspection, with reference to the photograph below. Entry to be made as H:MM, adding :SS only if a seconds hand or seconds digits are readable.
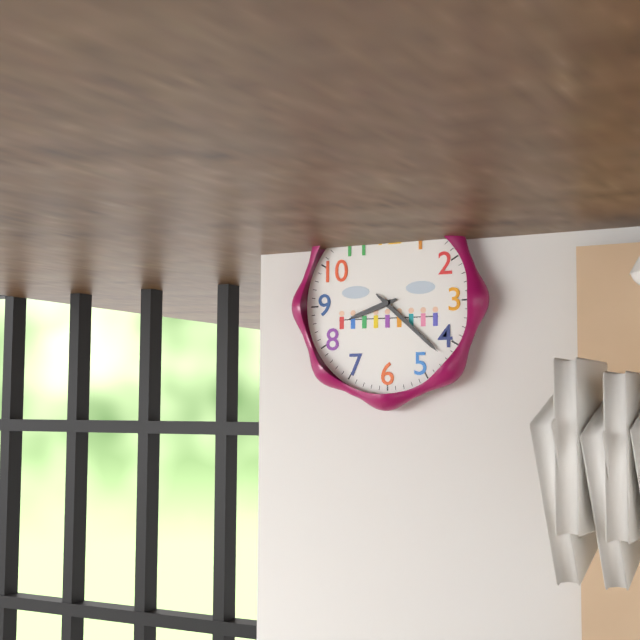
8:22
